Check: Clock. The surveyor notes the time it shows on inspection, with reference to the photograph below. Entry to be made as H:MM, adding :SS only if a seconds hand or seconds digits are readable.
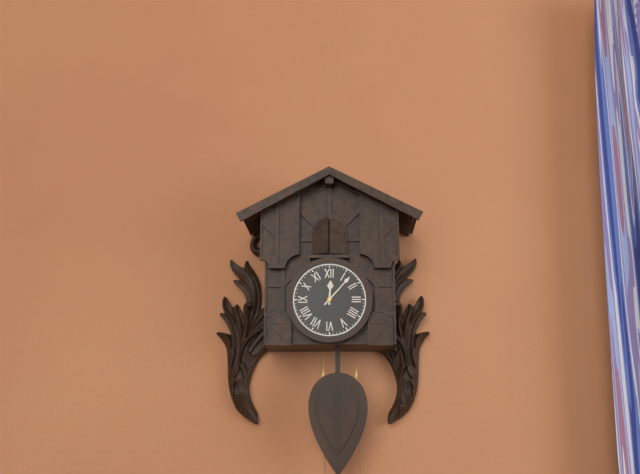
12:07
